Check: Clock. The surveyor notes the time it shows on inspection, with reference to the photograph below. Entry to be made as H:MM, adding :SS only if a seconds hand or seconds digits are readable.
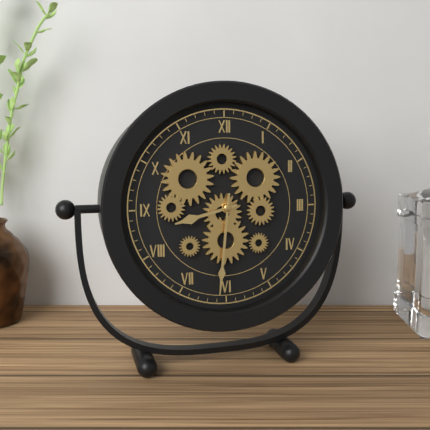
8:31
